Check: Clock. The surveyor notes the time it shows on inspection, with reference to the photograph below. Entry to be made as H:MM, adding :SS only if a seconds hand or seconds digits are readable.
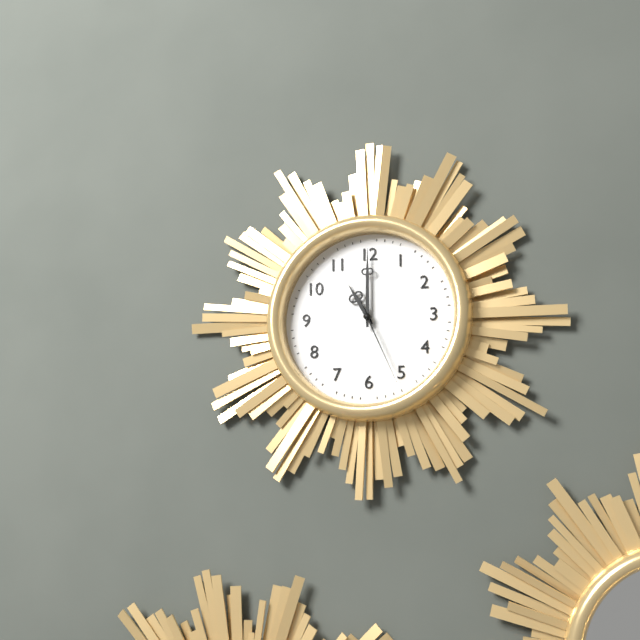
11:00:26
